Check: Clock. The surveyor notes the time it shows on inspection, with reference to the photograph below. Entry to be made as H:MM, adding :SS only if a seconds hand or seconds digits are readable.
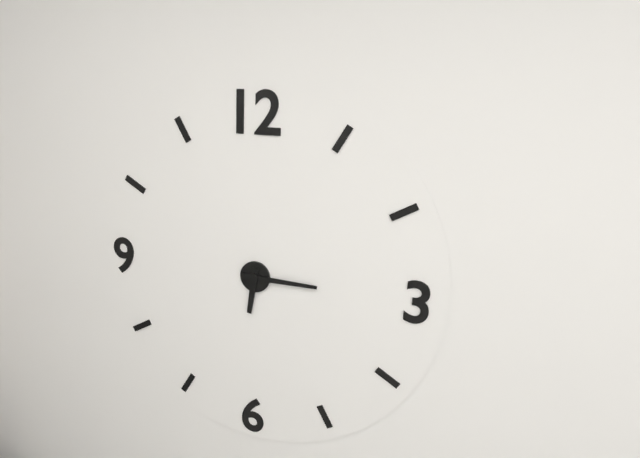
6:15
